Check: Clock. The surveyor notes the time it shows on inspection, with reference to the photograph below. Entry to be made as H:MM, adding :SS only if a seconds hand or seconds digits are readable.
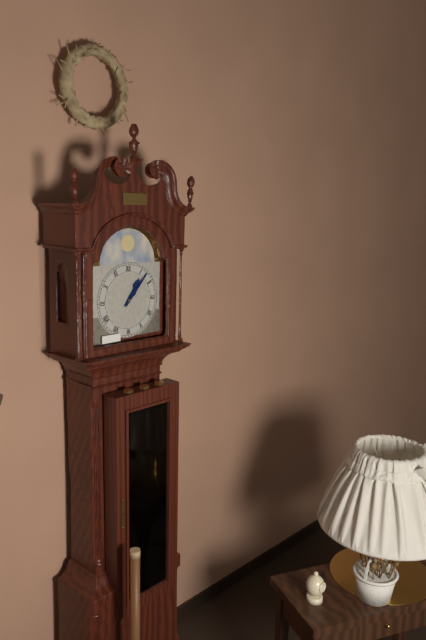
1:07
